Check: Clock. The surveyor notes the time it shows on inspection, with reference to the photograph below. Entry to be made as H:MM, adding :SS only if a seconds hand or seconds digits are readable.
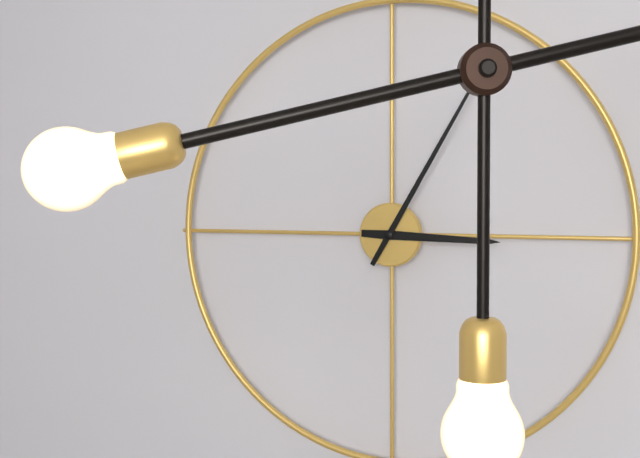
3:05
